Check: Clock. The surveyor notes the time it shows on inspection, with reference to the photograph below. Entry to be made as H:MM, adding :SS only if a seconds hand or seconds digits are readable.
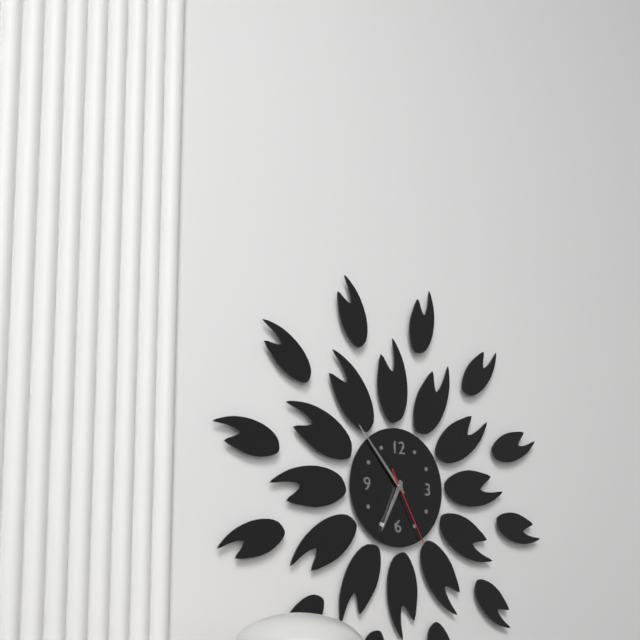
6:53:25
